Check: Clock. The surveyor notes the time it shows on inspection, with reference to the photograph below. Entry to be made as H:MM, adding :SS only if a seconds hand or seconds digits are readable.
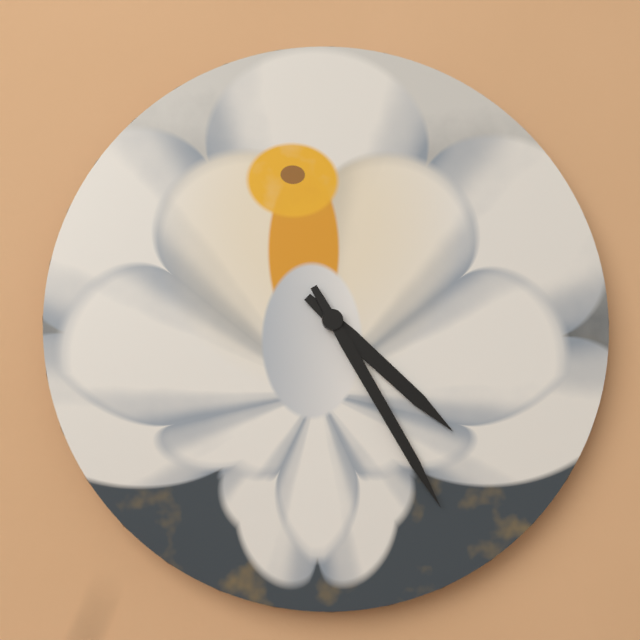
4:25
